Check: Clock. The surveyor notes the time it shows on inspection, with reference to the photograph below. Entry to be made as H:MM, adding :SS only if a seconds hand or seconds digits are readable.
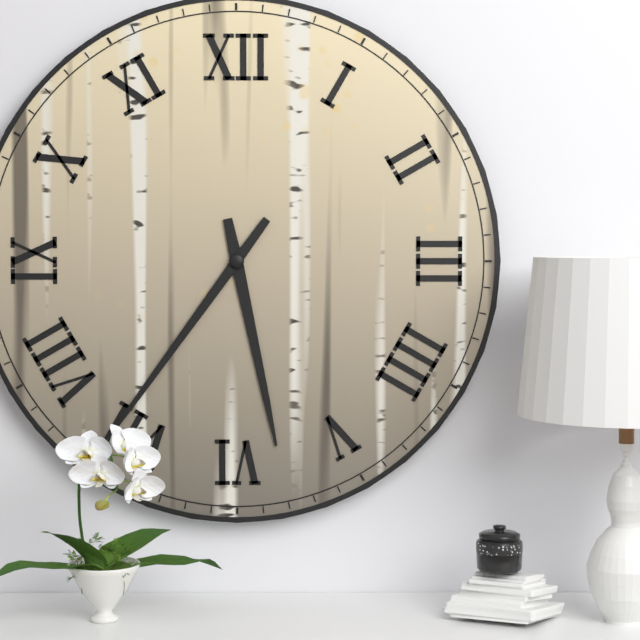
5:36
